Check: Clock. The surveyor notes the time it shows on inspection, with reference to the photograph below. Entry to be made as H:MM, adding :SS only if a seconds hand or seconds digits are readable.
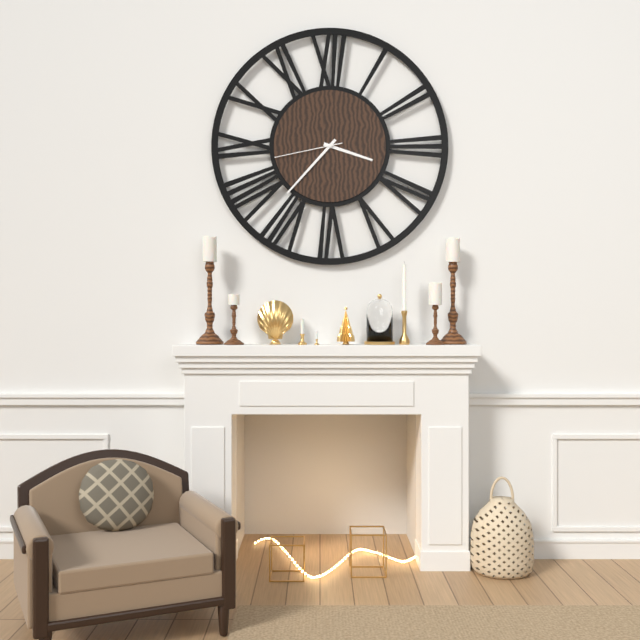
3:37:43
